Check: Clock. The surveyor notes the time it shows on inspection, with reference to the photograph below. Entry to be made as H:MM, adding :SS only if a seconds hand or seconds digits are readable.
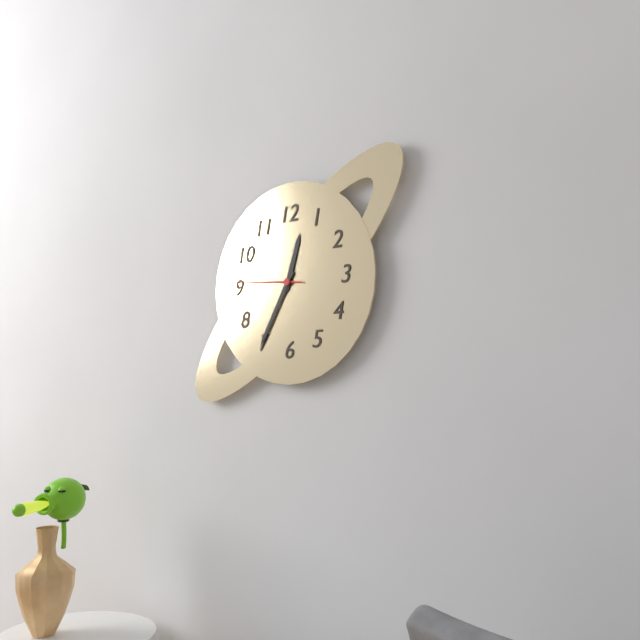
12:35:46
